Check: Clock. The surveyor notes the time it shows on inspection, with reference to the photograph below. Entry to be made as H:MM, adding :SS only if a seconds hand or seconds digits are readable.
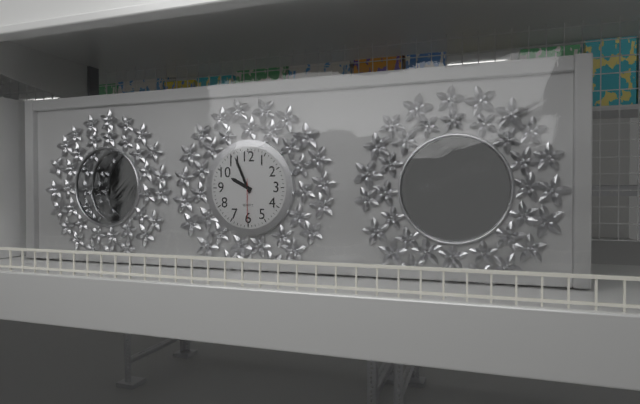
9:56
